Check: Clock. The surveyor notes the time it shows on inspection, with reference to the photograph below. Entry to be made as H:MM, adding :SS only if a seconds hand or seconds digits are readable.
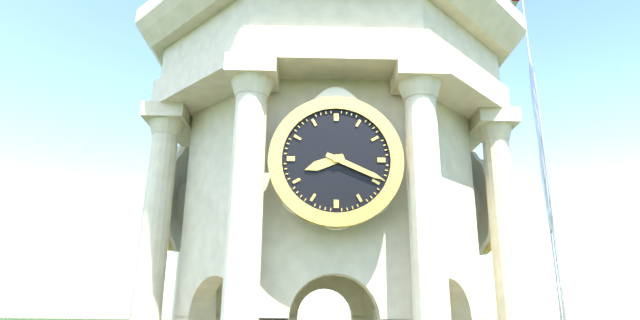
8:19
